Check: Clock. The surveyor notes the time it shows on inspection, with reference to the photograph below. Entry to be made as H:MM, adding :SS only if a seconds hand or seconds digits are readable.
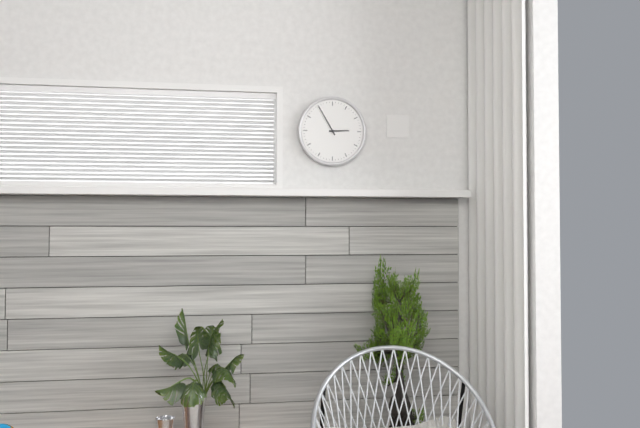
2:55
